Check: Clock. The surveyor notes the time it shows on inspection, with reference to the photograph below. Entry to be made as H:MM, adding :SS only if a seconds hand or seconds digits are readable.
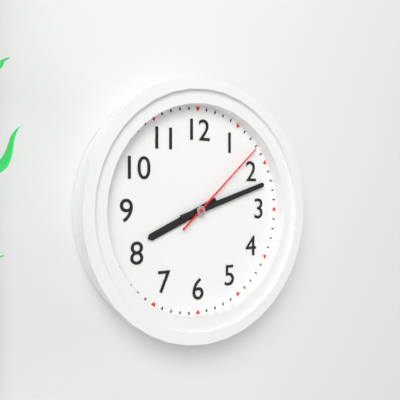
8:12:08
